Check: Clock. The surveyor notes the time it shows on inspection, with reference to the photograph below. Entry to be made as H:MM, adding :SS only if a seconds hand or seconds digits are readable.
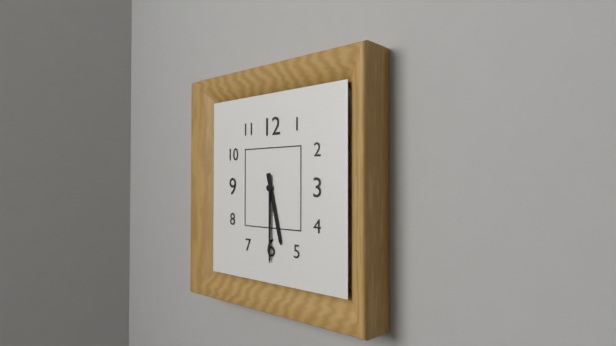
5:30
